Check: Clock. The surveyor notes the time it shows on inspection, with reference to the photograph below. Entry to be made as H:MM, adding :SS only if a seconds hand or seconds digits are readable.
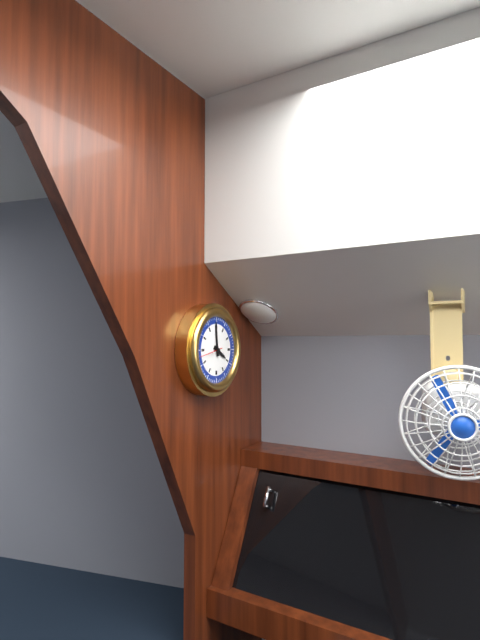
3:59
